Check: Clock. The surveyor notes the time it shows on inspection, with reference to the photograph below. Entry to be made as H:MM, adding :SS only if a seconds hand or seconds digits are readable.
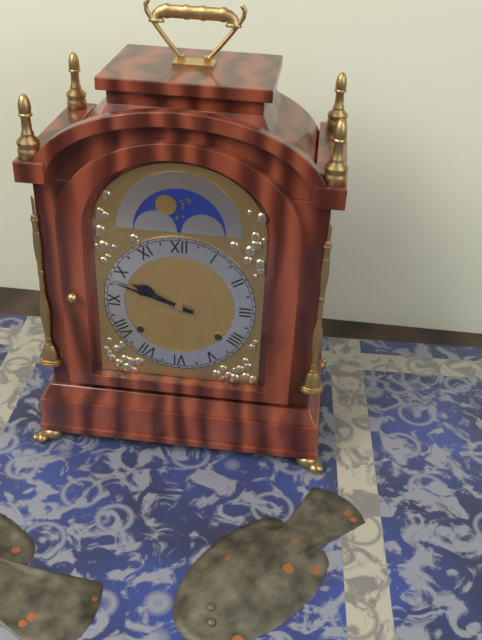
9:48
